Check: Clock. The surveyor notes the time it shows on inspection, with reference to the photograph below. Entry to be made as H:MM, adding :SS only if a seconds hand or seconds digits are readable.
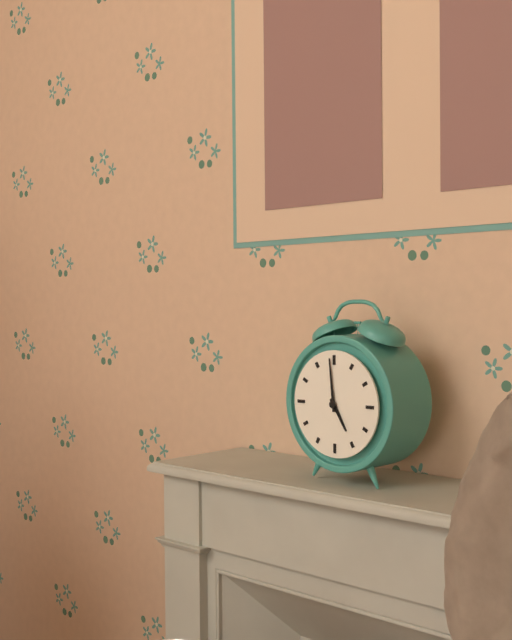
4:59
